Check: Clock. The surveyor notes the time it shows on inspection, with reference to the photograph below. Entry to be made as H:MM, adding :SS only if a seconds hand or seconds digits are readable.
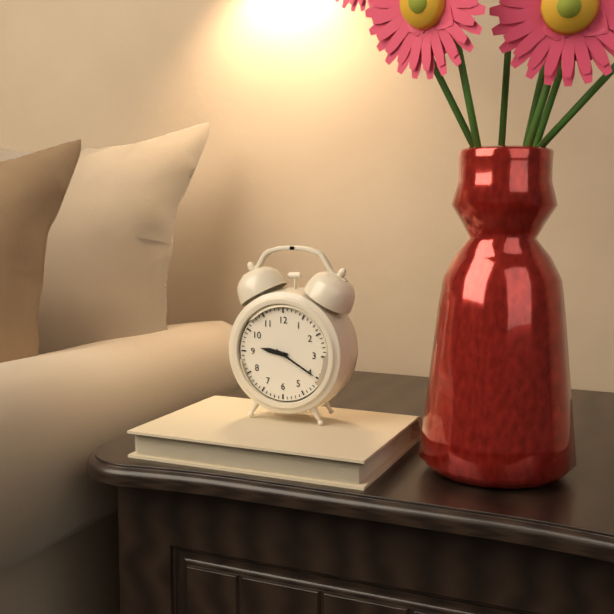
9:20
